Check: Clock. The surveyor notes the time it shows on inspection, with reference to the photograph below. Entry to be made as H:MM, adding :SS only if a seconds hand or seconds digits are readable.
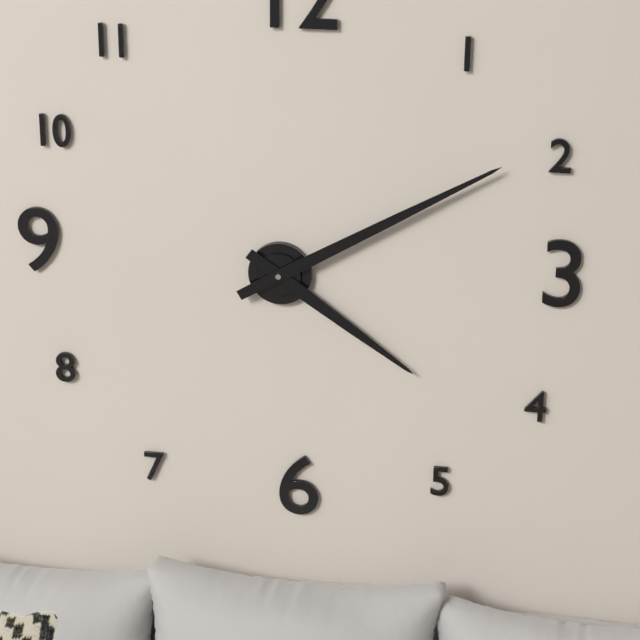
4:10
